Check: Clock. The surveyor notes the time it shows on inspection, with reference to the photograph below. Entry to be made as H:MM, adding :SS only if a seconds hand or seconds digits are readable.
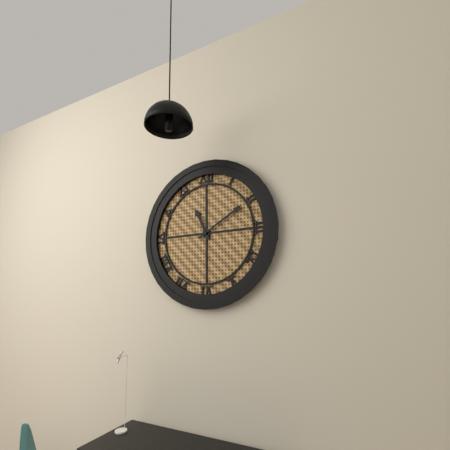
11:10
